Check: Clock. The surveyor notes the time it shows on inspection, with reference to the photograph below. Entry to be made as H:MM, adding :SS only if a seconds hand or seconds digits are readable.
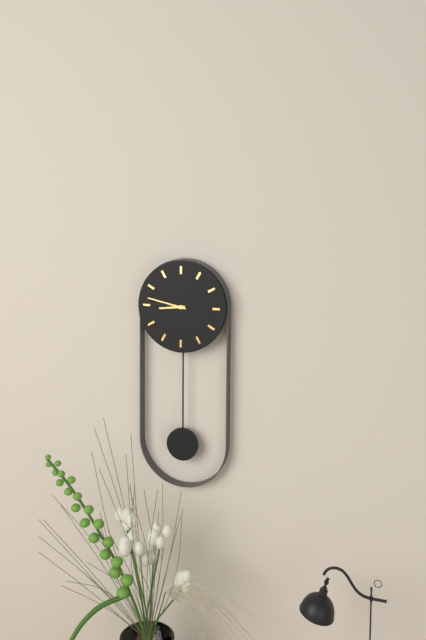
8:47
